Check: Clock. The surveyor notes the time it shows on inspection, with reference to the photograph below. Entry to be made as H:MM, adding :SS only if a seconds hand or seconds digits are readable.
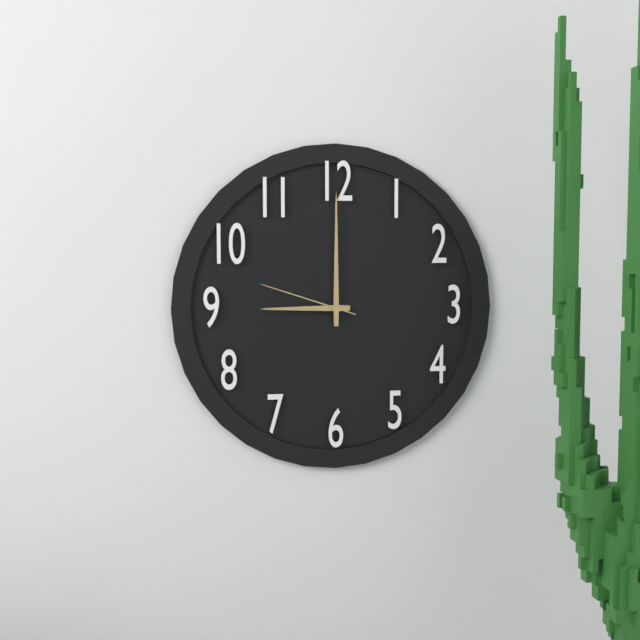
9:00:48
